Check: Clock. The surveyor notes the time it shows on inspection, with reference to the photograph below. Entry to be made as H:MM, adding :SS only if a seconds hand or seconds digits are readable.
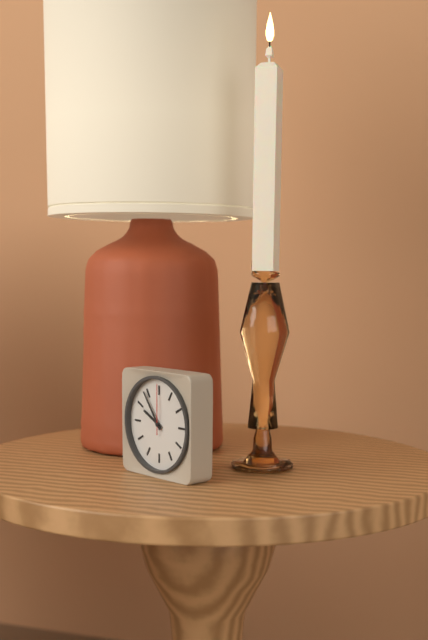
9:54:00
